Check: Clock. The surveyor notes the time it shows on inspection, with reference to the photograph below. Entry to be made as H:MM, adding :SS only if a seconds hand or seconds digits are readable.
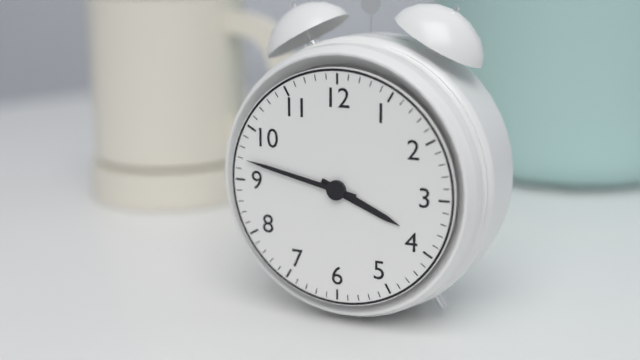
3:47
